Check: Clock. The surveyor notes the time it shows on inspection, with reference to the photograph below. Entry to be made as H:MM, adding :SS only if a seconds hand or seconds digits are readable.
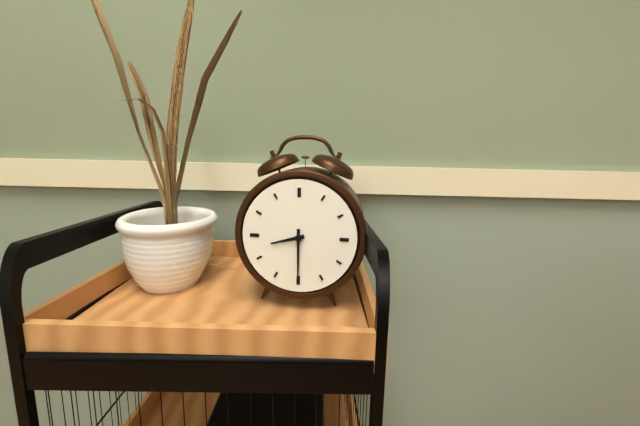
8:30
